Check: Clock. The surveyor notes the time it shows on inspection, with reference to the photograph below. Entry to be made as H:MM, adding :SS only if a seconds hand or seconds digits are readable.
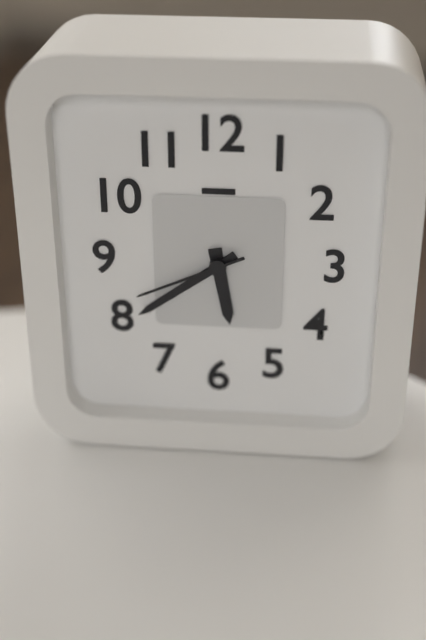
5:39:41
